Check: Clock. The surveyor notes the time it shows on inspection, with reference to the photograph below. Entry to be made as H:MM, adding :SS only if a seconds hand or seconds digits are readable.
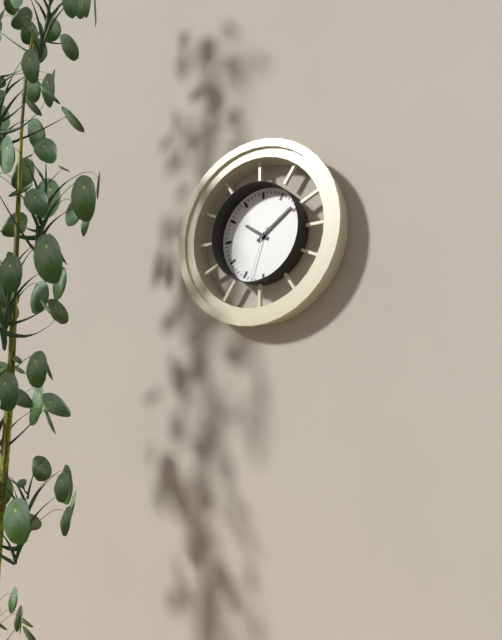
10:09:33
